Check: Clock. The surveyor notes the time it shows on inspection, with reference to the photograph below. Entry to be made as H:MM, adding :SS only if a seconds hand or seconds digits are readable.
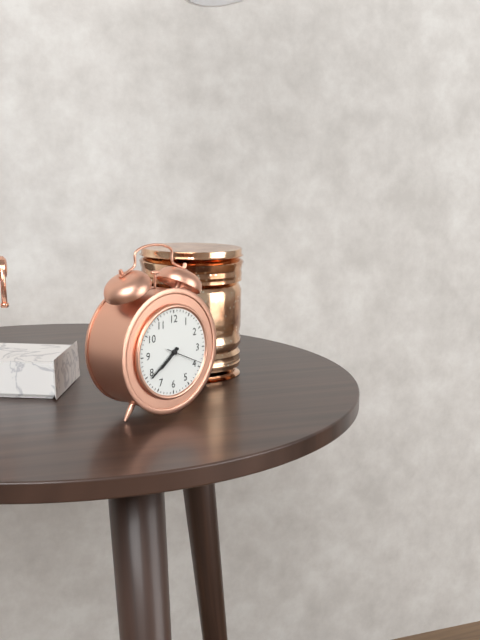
7:39
